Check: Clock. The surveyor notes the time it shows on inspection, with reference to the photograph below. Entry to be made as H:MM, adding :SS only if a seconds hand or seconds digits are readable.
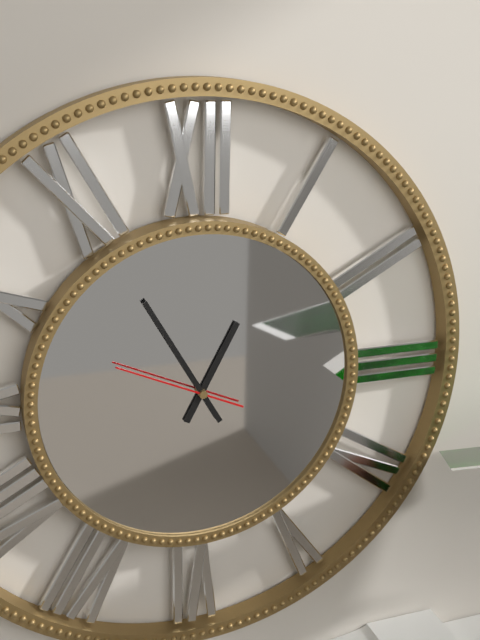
12:55:49
